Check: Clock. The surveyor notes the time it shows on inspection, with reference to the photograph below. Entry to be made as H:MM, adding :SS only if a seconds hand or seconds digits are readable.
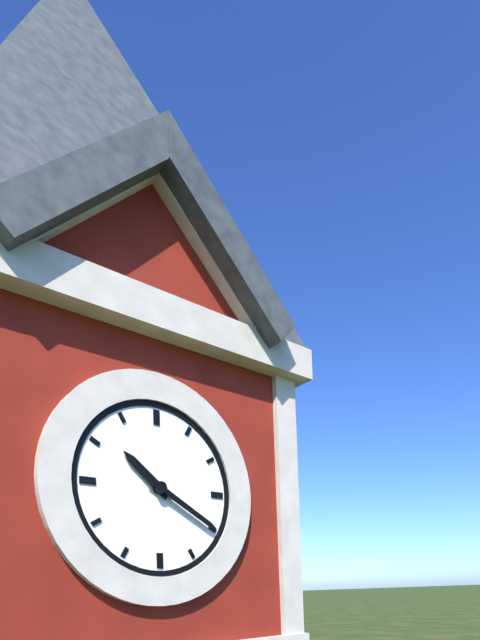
10:20
